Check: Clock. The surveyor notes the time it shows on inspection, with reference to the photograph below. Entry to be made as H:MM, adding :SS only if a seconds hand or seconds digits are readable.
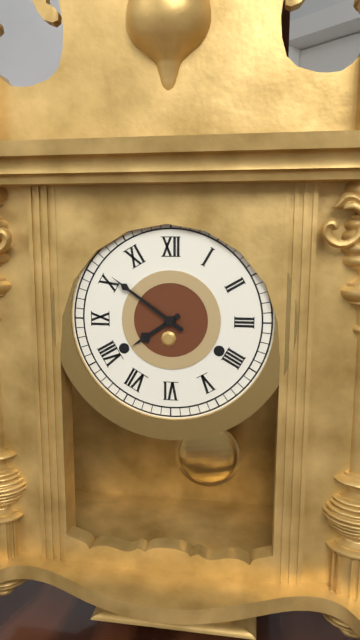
7:51
